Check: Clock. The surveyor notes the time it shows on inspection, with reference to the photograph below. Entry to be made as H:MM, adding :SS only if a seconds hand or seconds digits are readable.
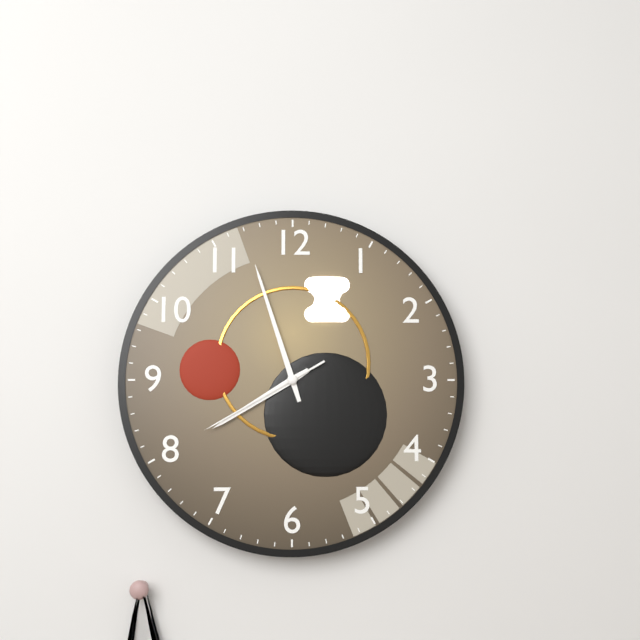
7:57:40
